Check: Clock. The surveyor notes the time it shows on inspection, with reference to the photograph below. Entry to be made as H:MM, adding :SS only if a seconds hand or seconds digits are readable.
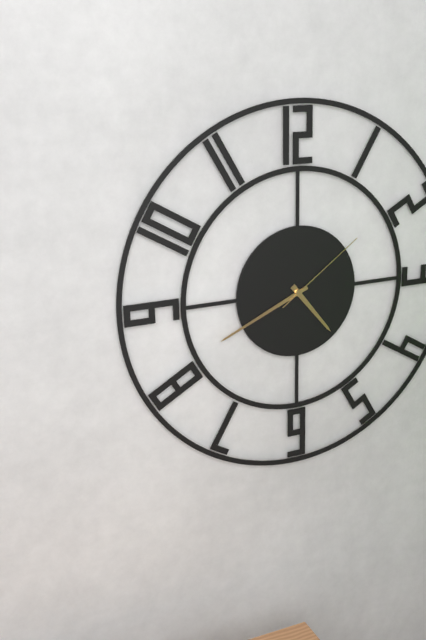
4:41:09
